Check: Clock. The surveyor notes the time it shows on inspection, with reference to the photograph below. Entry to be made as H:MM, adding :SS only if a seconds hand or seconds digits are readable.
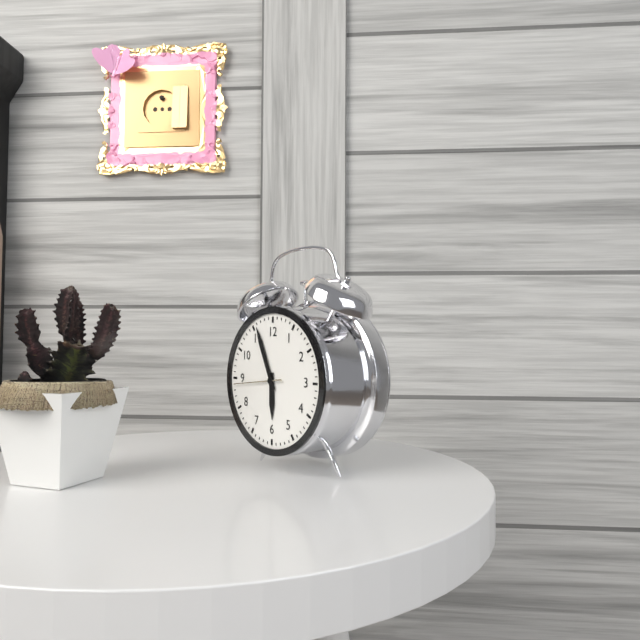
5:56
